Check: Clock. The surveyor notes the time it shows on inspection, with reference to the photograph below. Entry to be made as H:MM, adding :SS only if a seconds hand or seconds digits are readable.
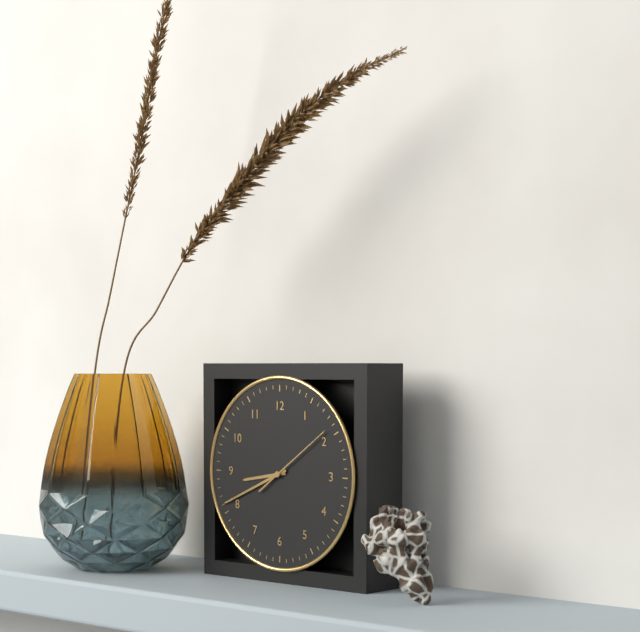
8:41:09
